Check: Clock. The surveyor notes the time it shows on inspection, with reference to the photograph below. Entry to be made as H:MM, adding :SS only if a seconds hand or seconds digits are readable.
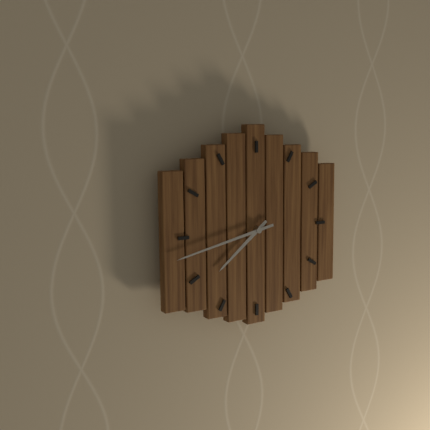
7:43
